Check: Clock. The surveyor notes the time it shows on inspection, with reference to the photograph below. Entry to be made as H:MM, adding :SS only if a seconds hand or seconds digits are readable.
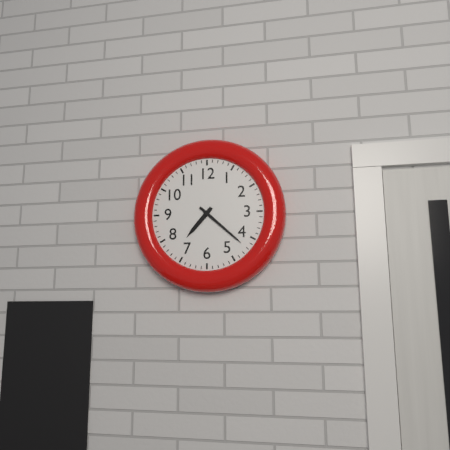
7:22
